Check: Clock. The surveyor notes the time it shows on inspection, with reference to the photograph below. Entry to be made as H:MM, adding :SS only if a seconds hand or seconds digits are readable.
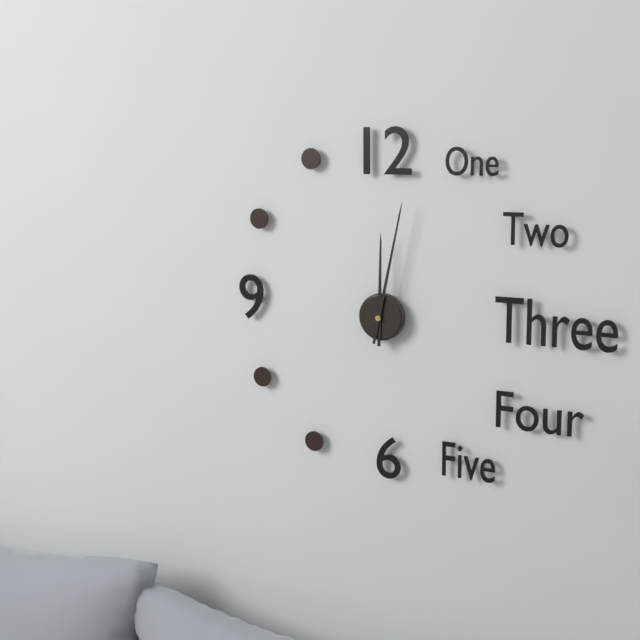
12:02
